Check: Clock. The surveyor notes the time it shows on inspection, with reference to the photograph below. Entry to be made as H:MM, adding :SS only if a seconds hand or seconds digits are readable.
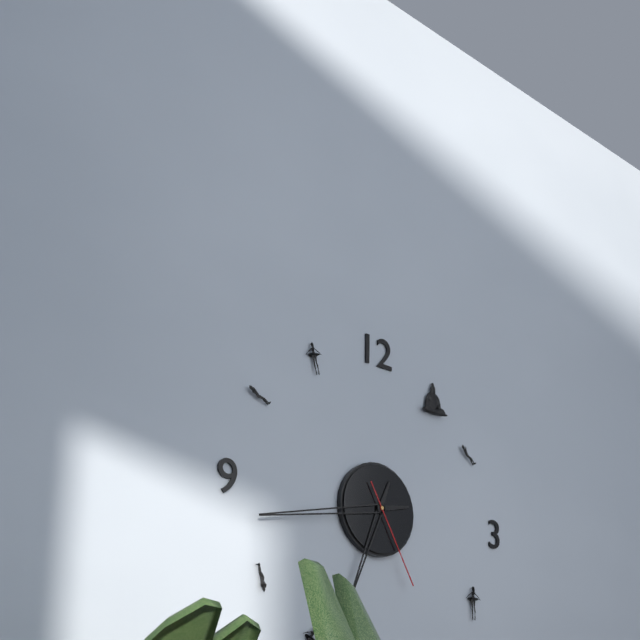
6:43:25
